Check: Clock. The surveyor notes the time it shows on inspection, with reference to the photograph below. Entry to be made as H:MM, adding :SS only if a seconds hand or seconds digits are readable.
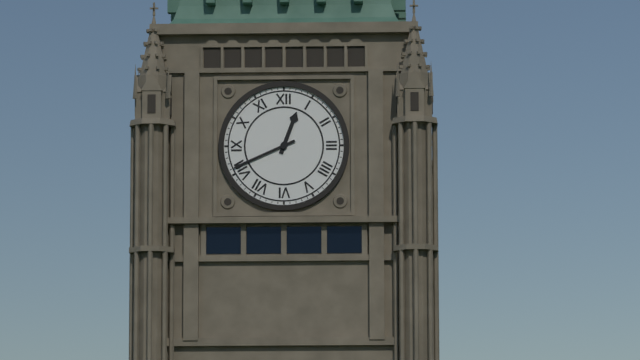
12:41
